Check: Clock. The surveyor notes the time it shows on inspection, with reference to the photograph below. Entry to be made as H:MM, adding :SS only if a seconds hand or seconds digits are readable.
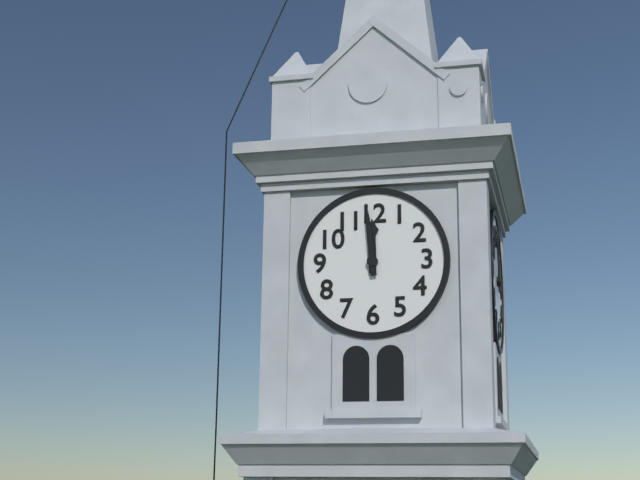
11:59
